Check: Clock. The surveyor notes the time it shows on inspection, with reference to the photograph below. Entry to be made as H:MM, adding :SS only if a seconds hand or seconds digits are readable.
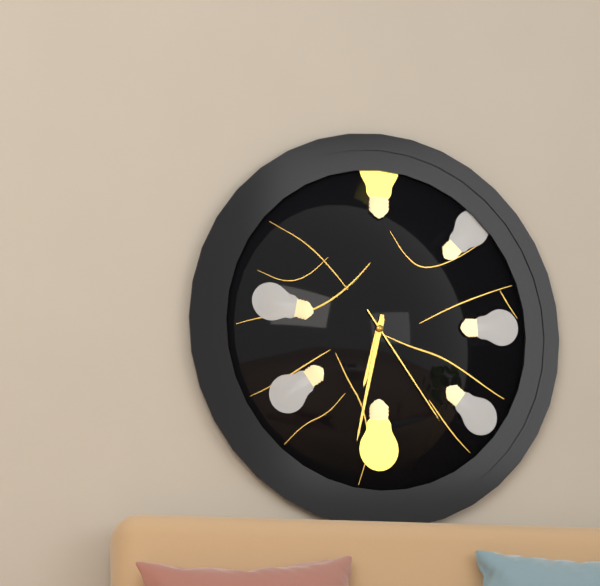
6:32:24
